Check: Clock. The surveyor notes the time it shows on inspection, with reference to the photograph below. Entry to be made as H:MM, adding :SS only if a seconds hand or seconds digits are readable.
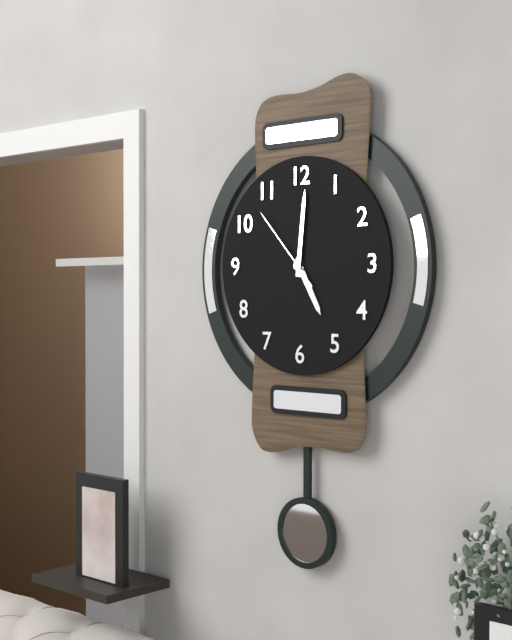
5:01:53
